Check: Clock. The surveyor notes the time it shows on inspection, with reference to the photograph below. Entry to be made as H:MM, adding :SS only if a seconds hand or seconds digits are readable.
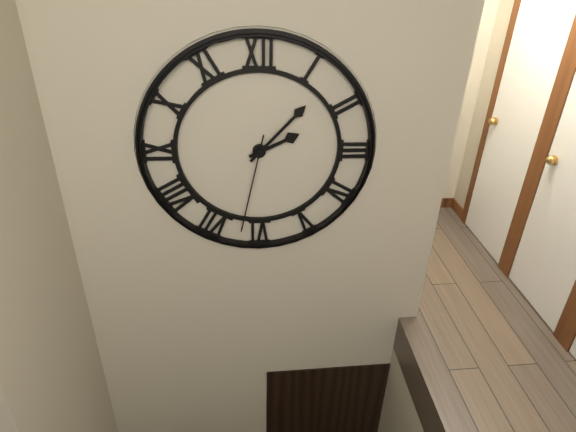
2:07:32
